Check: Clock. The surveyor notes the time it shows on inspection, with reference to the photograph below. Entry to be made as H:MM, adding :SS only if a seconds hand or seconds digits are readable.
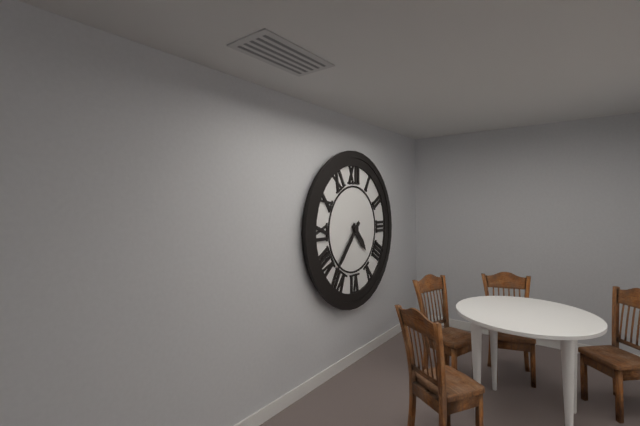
4:37
